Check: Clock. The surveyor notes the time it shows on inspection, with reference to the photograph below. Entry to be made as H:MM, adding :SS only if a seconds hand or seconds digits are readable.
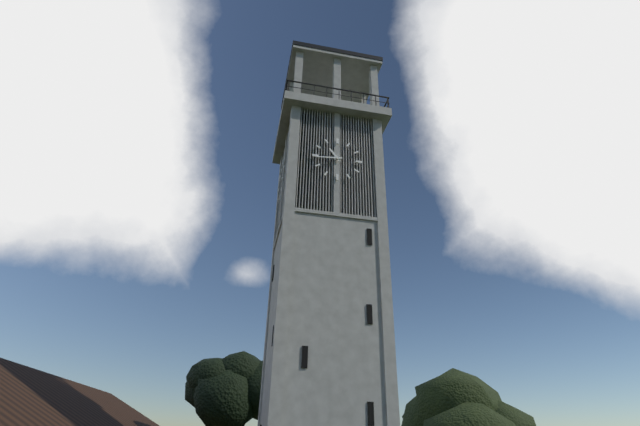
10:44
